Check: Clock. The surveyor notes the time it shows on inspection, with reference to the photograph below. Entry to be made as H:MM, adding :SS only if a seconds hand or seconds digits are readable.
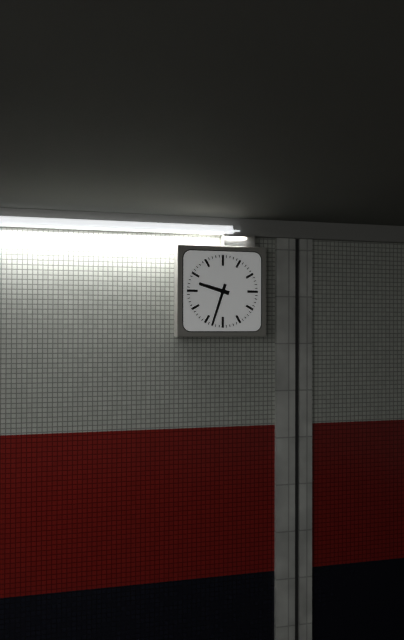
9:33
